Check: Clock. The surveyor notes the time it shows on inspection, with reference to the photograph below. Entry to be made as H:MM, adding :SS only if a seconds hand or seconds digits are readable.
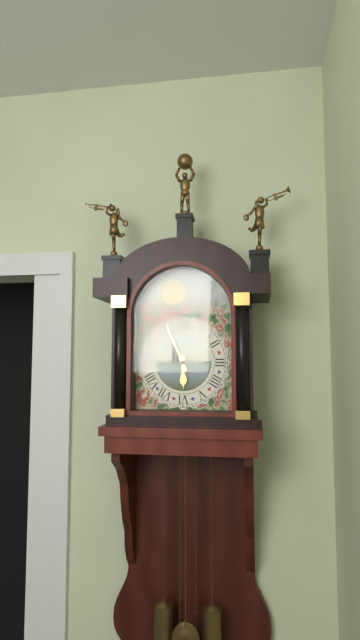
5:56
